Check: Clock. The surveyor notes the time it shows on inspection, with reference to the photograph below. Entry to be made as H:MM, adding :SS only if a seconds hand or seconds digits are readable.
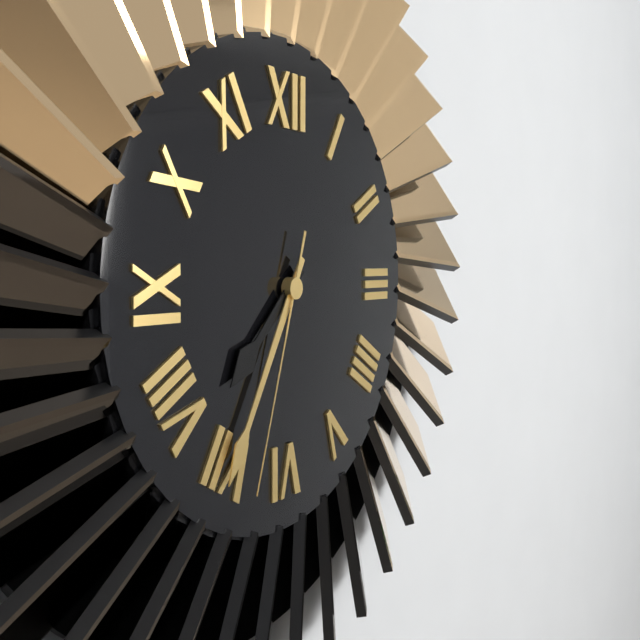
7:35:33
